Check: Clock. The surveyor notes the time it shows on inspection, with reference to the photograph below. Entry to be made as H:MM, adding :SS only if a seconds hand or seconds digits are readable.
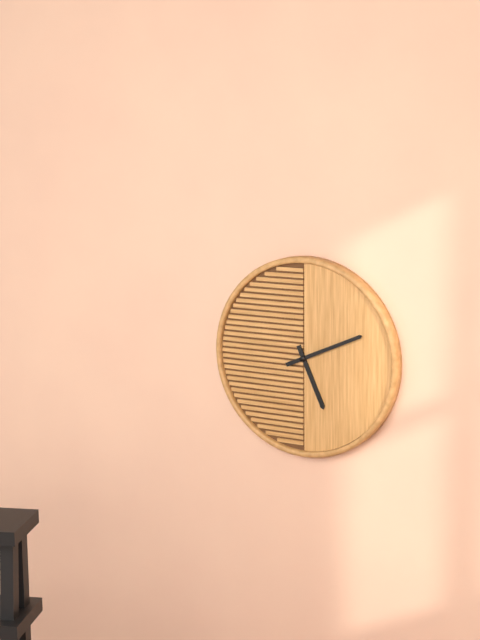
5:11
